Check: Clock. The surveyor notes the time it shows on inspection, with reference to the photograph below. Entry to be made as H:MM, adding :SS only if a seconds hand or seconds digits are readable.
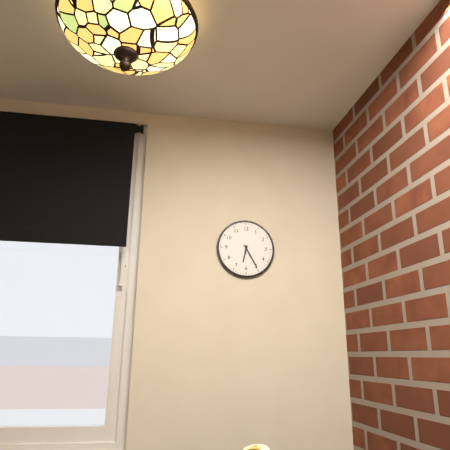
6:25
